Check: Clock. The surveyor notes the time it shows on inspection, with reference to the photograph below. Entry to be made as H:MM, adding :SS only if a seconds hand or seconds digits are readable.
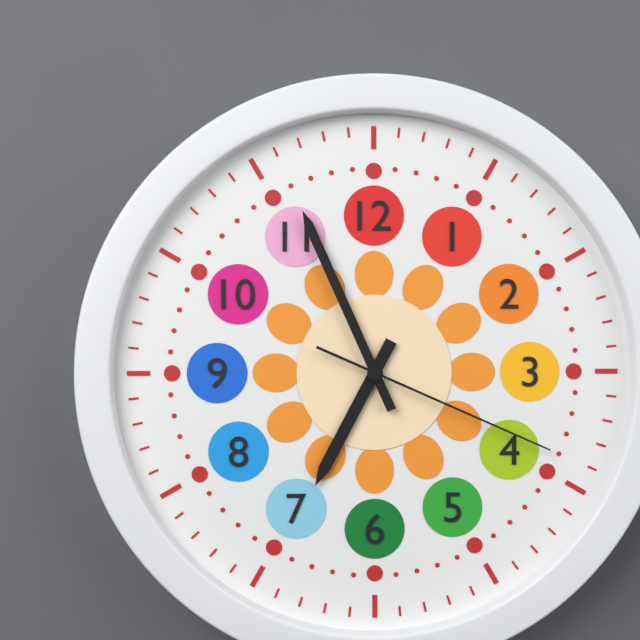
6:56:19
